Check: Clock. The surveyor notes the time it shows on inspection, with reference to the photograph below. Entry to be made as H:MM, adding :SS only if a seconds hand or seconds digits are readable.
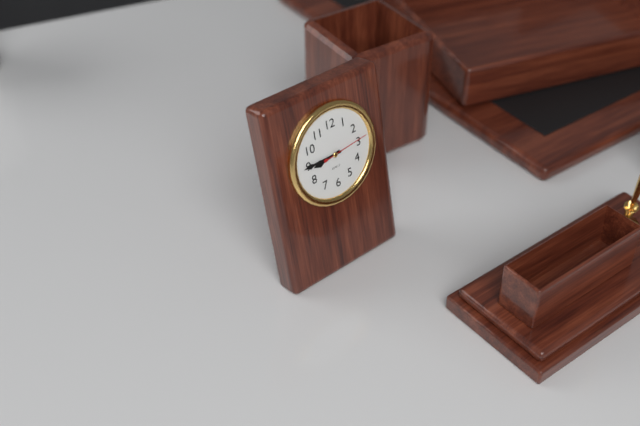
8:45
